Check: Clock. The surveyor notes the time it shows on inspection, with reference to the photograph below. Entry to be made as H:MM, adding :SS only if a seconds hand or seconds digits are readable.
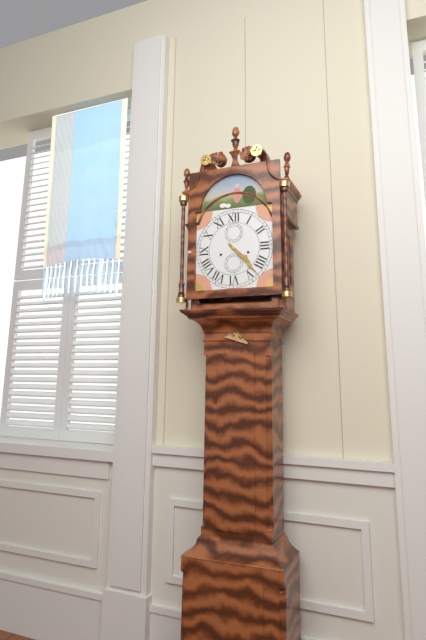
4:23
